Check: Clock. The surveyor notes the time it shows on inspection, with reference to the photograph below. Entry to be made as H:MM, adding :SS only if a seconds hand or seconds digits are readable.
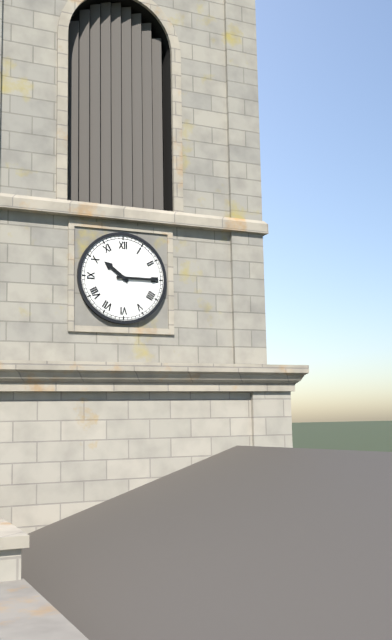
10:15
